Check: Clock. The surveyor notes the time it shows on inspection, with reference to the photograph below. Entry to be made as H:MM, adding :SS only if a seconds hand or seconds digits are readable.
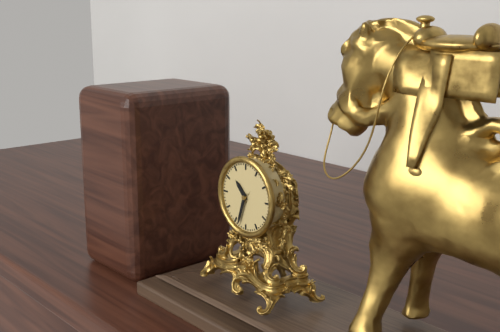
10:33
